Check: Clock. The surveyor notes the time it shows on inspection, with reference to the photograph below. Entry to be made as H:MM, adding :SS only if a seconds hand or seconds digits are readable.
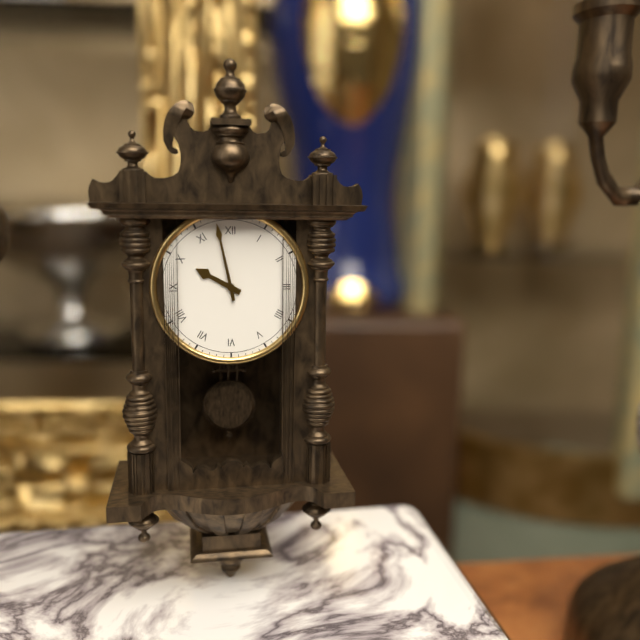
9:58
